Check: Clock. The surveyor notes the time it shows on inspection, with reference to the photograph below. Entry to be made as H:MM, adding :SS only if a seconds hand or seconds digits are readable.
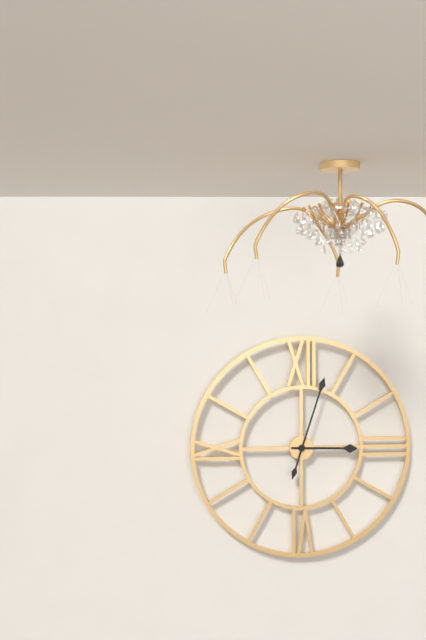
3:03
